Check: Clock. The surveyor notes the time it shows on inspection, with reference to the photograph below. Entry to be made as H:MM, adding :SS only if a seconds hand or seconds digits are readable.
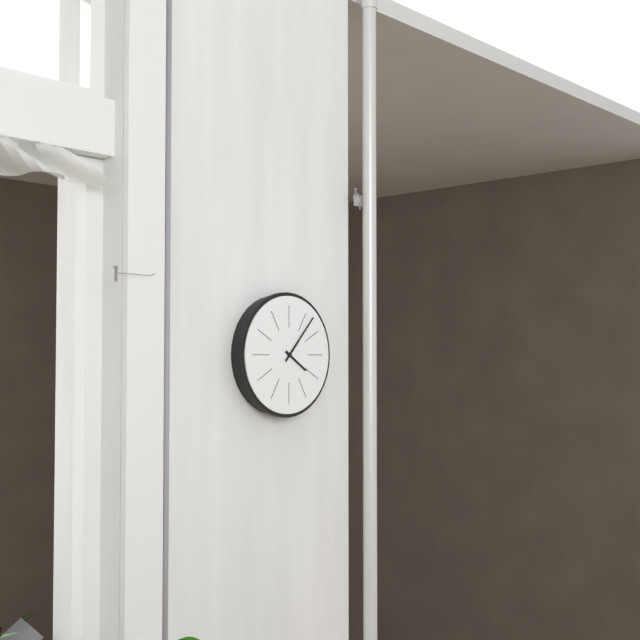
4:07
